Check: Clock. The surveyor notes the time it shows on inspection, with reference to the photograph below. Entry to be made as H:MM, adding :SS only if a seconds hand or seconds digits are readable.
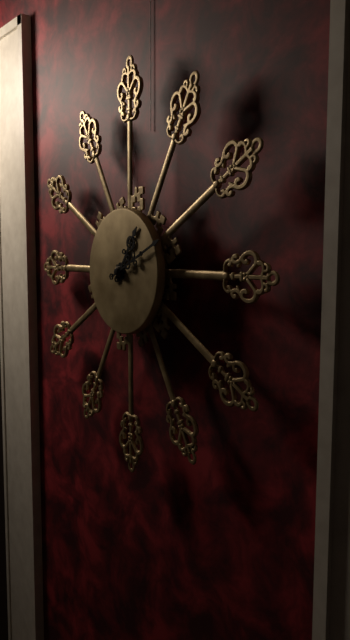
1:11
